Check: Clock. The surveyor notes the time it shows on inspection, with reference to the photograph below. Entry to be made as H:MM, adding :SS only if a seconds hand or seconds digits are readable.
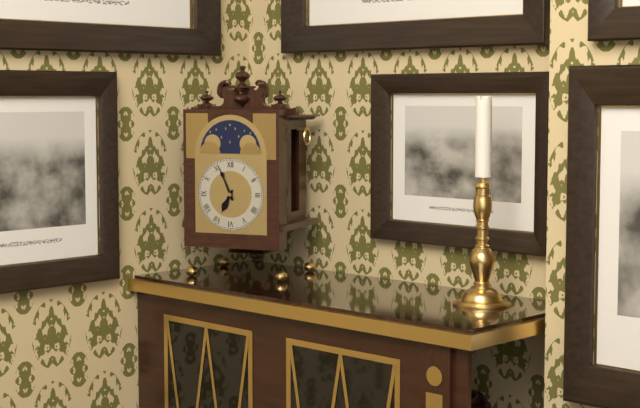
6:56
